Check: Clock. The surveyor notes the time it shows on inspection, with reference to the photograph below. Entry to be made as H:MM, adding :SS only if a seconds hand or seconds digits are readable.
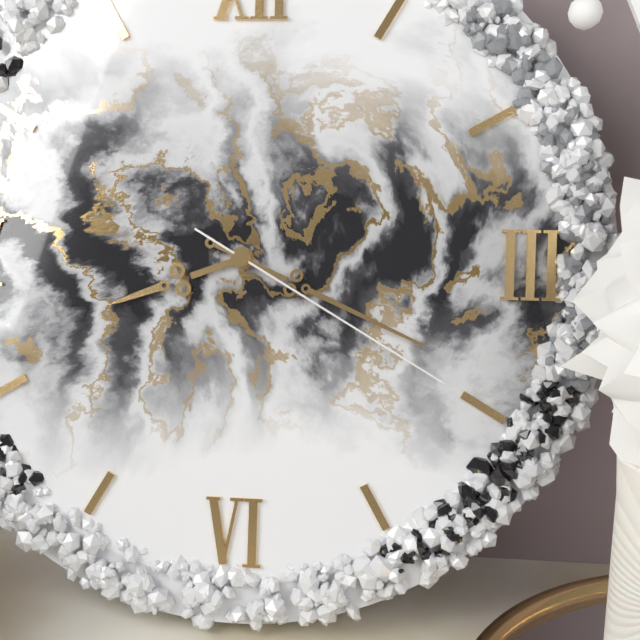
8:19:20
